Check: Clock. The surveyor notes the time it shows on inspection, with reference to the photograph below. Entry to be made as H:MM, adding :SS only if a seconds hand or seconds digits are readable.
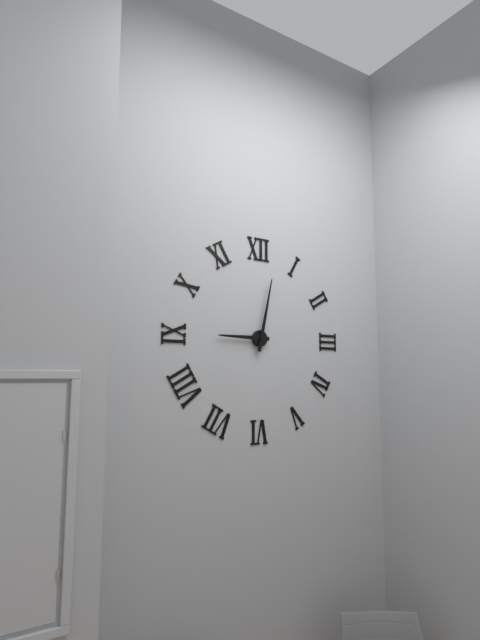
9:02
